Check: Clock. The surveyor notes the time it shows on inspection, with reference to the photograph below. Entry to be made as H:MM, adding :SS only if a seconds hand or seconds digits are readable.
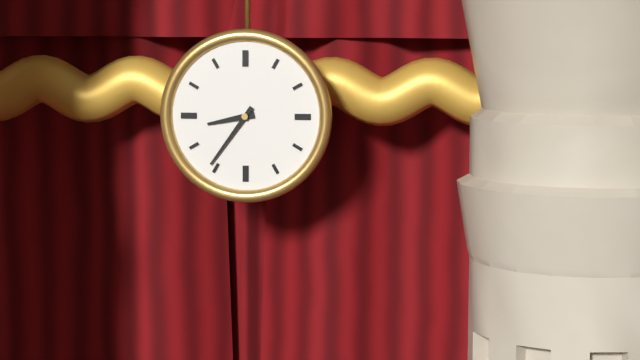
8:36
